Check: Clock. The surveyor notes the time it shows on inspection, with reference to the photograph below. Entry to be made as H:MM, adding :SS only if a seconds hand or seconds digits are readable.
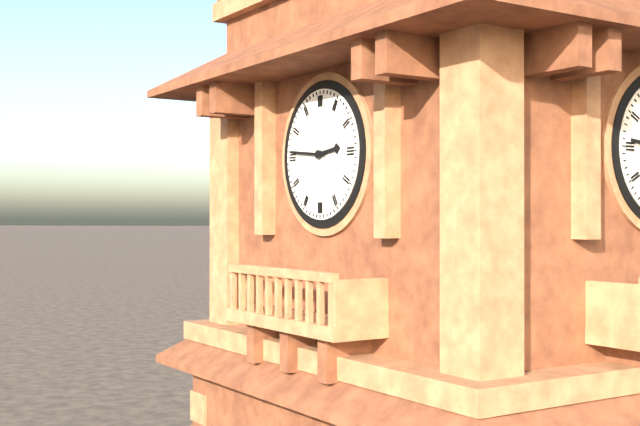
2:46
